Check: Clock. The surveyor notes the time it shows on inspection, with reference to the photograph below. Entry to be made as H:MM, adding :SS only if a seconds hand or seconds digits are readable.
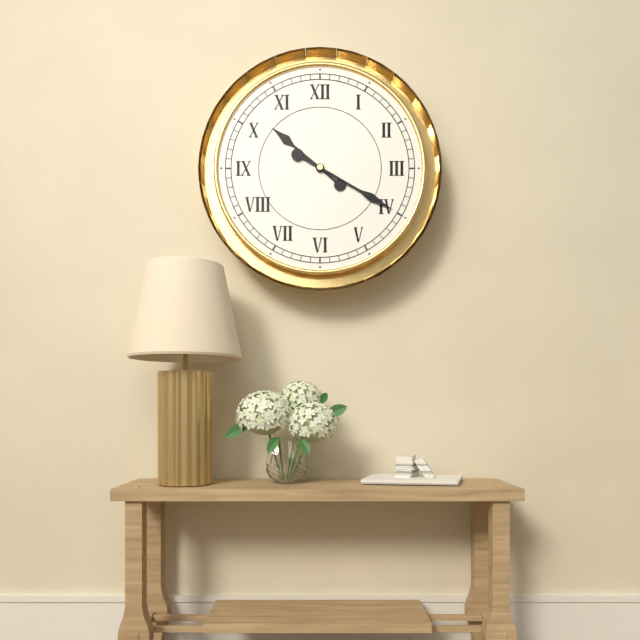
10:20
